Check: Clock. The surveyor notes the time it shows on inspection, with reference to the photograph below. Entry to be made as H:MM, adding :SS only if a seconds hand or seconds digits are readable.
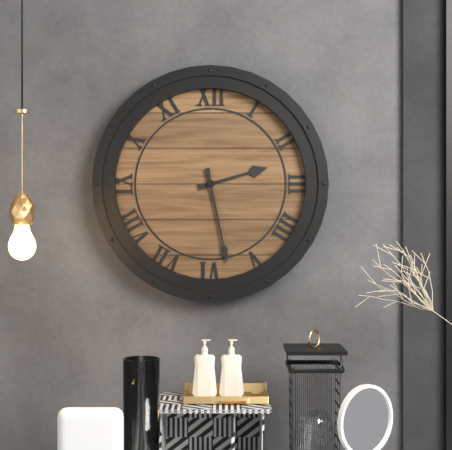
2:28
